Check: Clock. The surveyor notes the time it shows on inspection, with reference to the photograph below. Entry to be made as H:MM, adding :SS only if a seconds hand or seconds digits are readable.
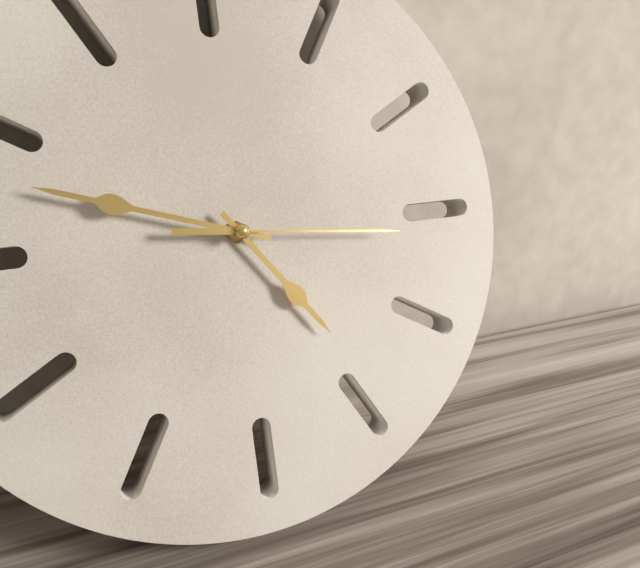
4:48:16
